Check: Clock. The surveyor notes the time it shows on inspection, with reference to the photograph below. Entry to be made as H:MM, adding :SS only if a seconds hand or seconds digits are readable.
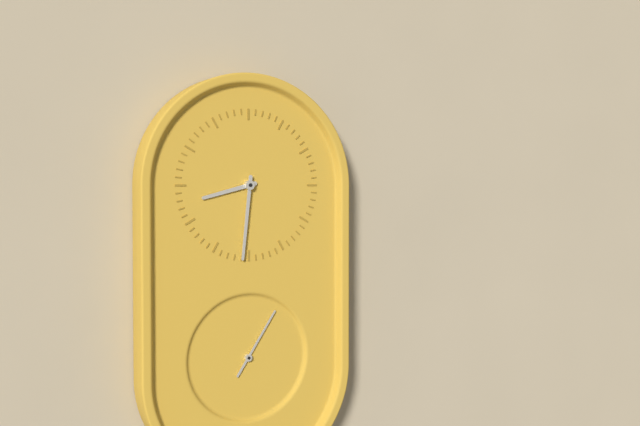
8:31
